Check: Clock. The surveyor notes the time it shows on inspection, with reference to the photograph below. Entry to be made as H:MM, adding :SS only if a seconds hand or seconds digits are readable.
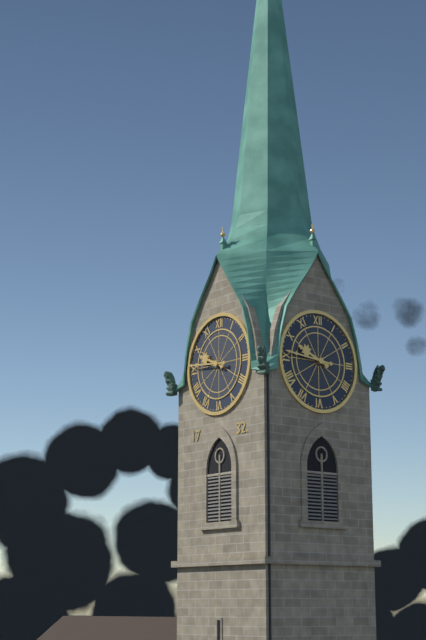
9:46
